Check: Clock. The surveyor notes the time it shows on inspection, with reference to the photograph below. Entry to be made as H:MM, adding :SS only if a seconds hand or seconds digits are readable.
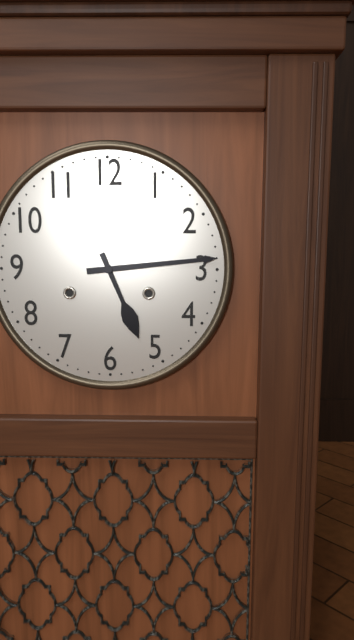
5:14
